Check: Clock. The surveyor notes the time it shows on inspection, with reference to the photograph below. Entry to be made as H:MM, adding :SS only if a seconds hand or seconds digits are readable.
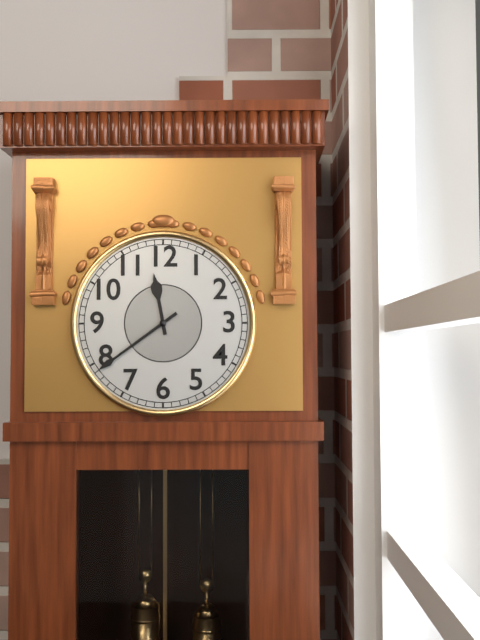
11:39
